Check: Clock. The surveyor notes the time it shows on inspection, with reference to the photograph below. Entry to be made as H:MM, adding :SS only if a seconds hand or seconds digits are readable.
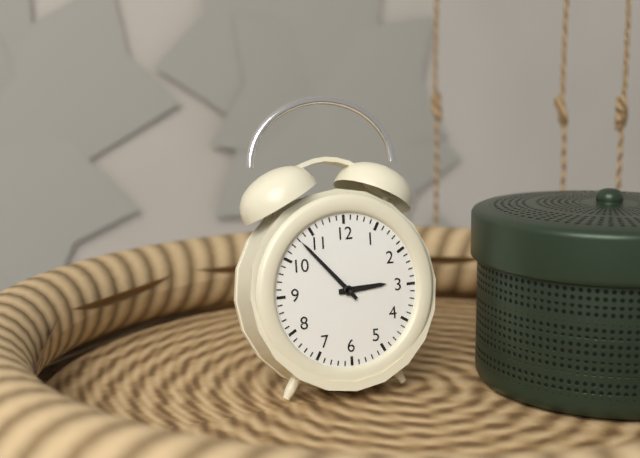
2:53
